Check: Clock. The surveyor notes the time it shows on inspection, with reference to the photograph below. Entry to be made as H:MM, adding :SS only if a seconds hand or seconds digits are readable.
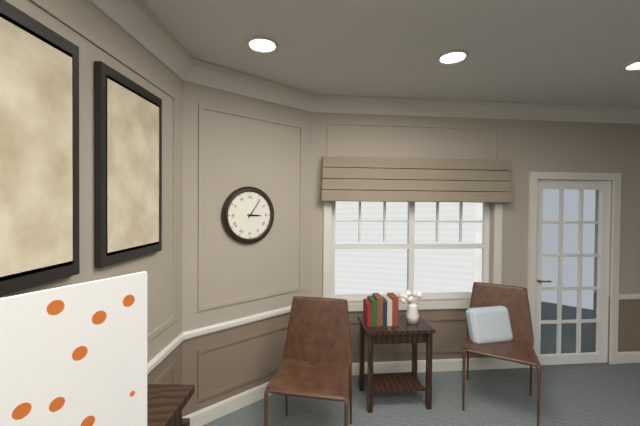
3:06
